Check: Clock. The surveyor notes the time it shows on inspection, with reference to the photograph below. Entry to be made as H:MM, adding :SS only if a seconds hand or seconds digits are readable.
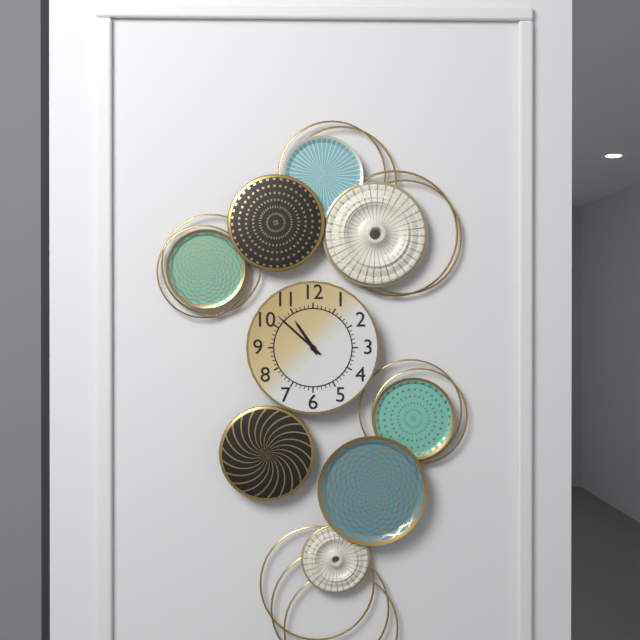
10:52
